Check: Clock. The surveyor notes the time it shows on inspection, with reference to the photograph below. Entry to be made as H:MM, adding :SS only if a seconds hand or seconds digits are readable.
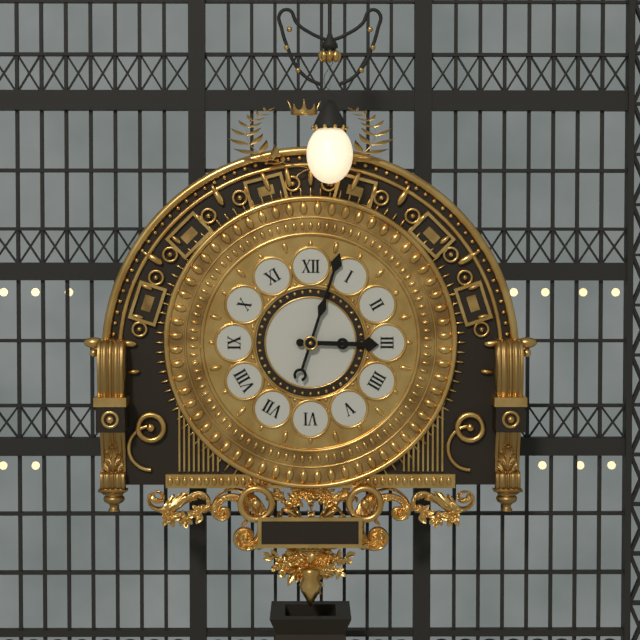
3:03
